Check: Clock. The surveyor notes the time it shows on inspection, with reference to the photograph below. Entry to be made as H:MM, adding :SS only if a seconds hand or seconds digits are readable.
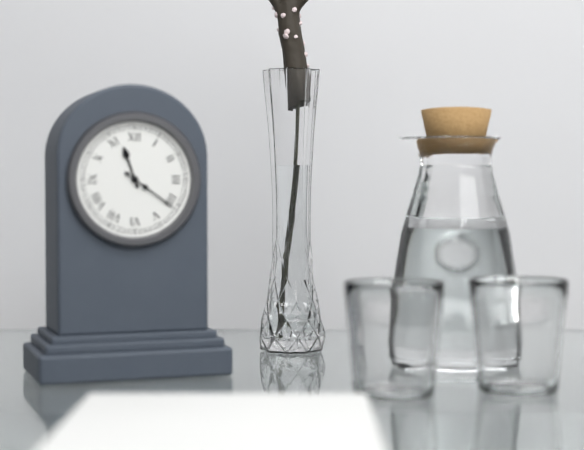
11:21
